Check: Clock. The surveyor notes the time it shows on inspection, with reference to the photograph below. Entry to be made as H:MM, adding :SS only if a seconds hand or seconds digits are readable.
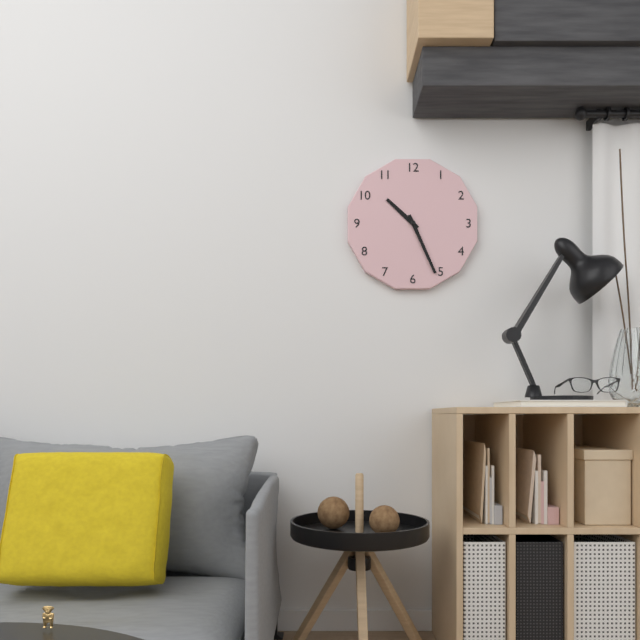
10:26
